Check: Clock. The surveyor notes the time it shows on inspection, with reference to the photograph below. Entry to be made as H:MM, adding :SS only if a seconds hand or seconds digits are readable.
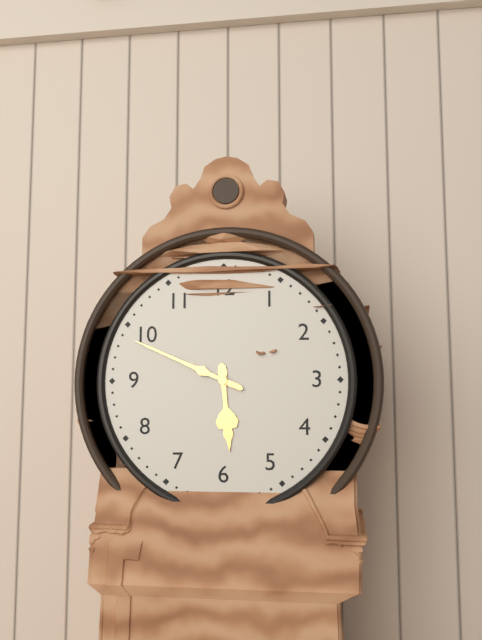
5:49
